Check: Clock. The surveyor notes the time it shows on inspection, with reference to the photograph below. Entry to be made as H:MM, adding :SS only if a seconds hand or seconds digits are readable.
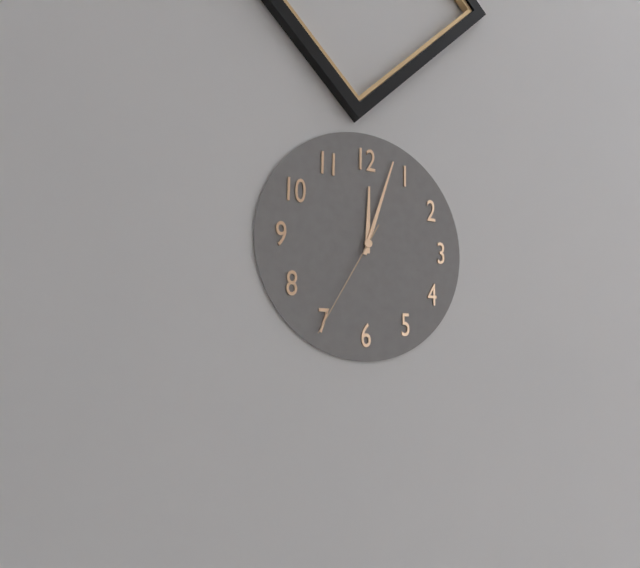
12:03:35
